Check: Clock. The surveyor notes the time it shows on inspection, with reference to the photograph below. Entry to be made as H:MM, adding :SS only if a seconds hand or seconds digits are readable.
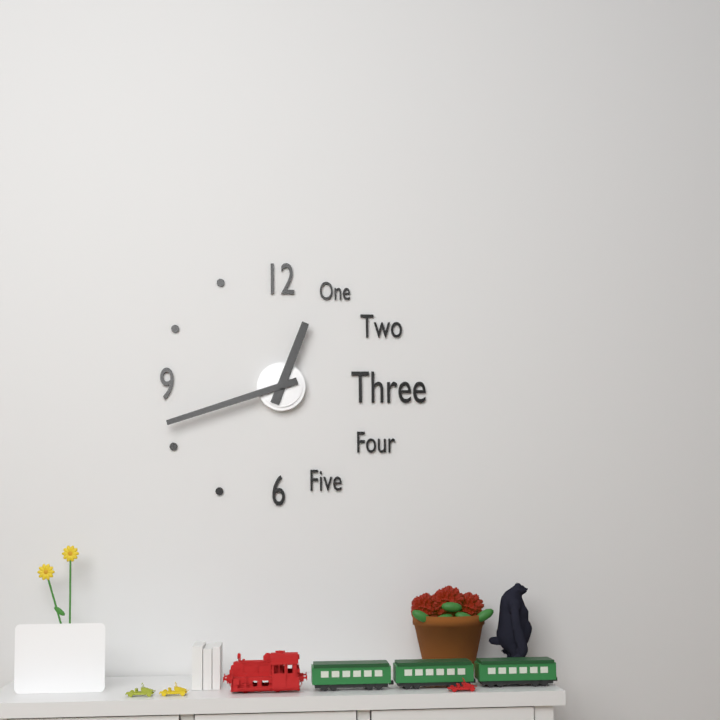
12:42
